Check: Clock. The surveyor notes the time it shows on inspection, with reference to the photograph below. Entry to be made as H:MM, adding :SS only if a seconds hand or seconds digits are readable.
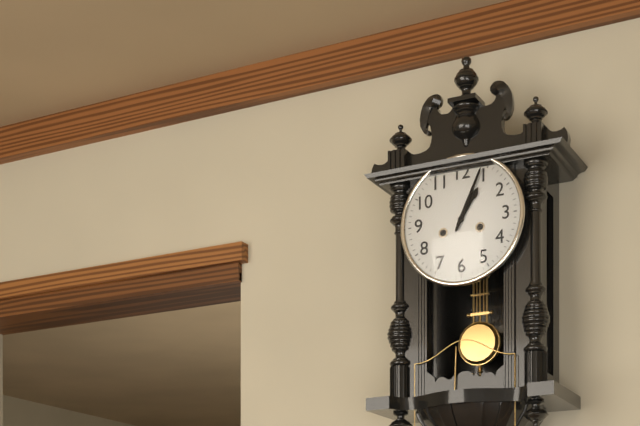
1:04
